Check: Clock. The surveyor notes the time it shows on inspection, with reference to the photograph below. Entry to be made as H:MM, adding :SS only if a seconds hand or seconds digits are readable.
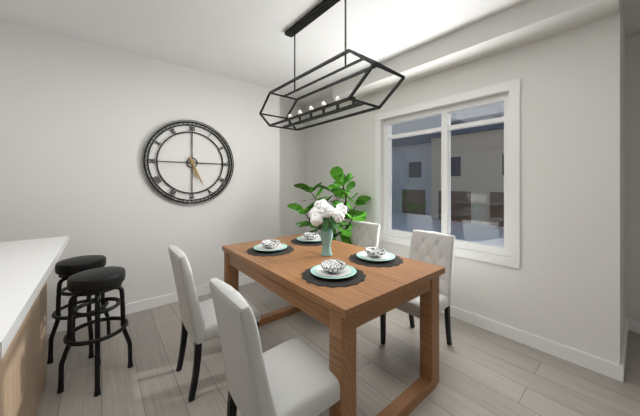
5:26
